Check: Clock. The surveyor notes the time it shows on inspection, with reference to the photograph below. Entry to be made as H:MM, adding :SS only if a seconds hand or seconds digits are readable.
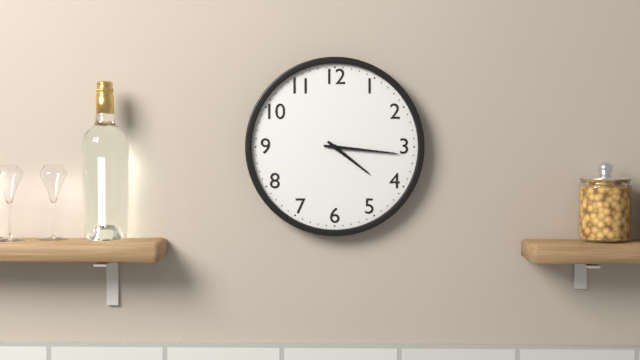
4:16
